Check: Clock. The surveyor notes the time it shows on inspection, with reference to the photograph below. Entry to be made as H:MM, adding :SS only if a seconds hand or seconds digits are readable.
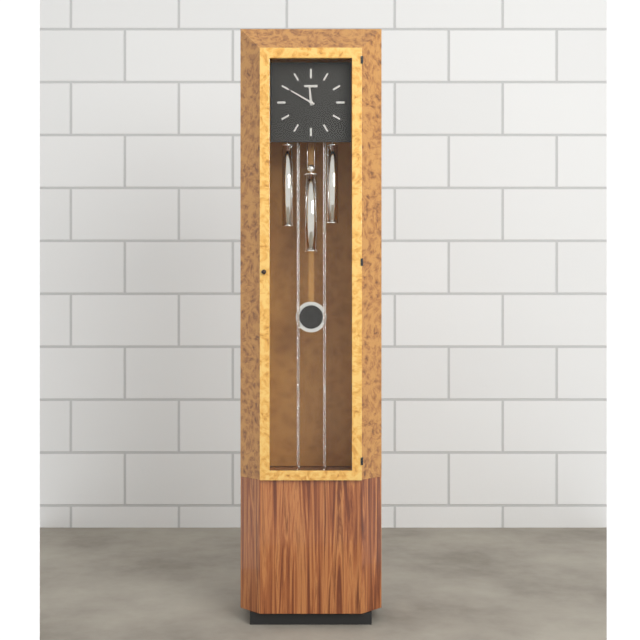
11:50
